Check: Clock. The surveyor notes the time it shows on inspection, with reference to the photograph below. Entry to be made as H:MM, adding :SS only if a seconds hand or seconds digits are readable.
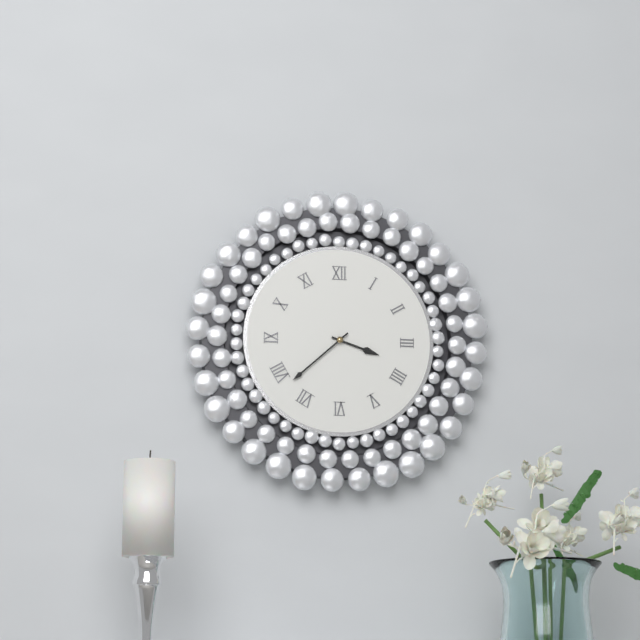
3:38
